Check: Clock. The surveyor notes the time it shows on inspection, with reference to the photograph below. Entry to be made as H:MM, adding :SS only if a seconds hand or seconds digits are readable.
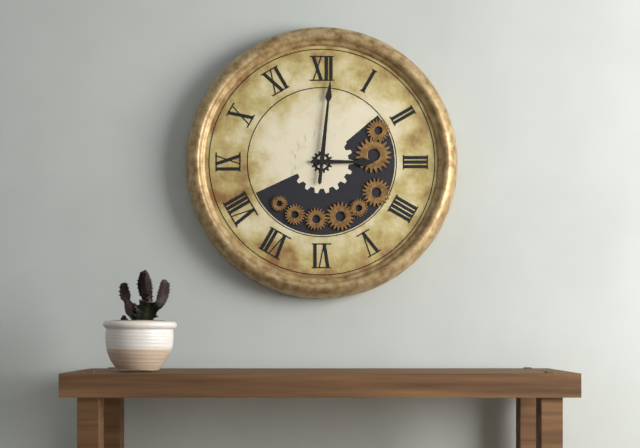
3:01
